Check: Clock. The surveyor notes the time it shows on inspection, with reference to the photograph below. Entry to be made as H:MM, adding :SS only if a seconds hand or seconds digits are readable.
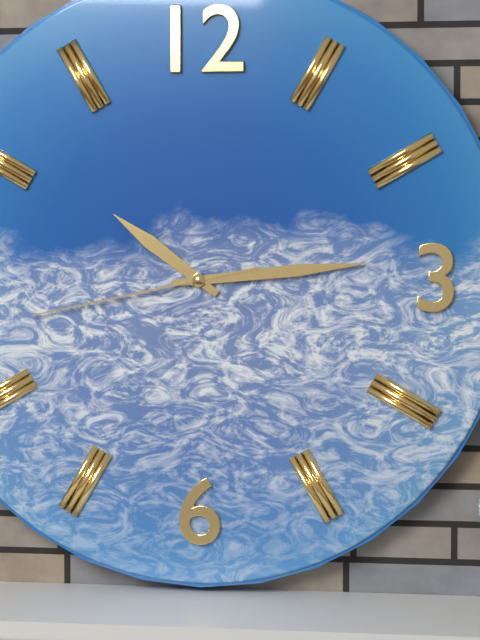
10:14:43
